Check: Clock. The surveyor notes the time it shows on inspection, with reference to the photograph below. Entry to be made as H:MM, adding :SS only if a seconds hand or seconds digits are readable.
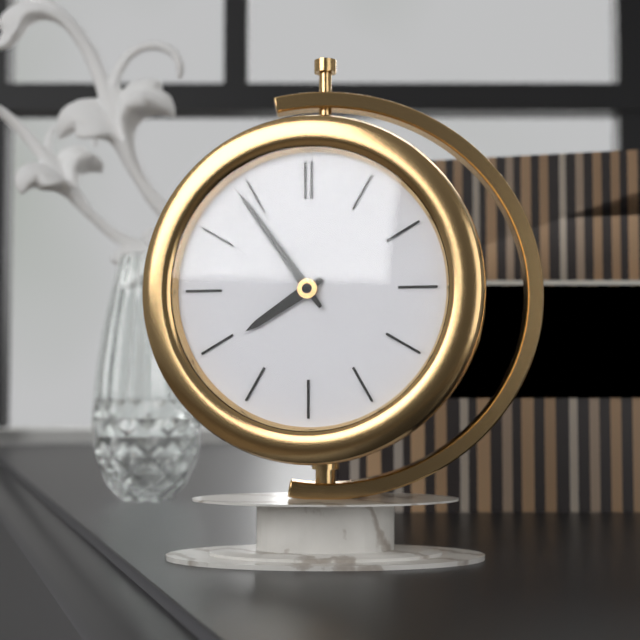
7:54
